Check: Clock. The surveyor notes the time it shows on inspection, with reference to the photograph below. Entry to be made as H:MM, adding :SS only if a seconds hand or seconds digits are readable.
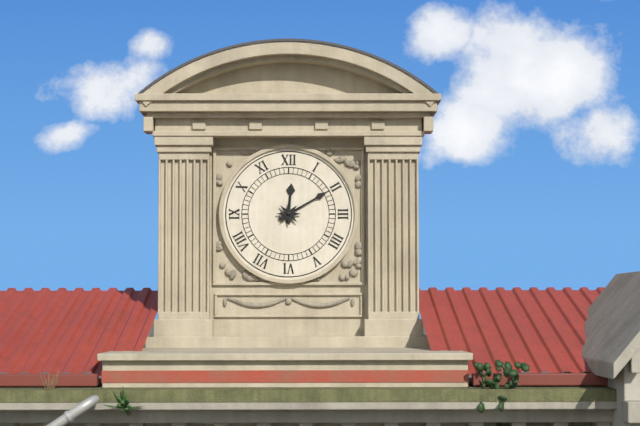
12:10
